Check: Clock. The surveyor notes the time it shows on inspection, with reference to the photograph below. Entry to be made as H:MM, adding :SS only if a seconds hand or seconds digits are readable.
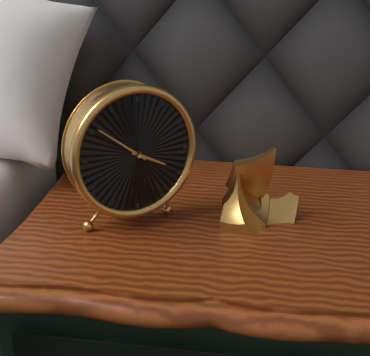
3:51
